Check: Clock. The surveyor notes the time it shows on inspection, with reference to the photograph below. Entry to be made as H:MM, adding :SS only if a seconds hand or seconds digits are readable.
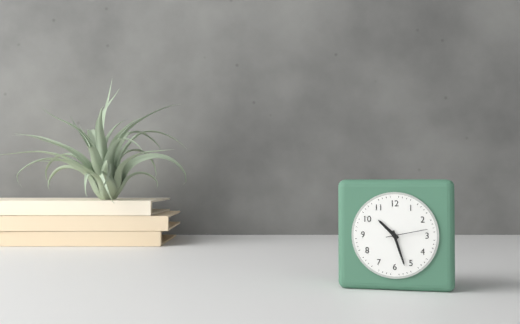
10:27
